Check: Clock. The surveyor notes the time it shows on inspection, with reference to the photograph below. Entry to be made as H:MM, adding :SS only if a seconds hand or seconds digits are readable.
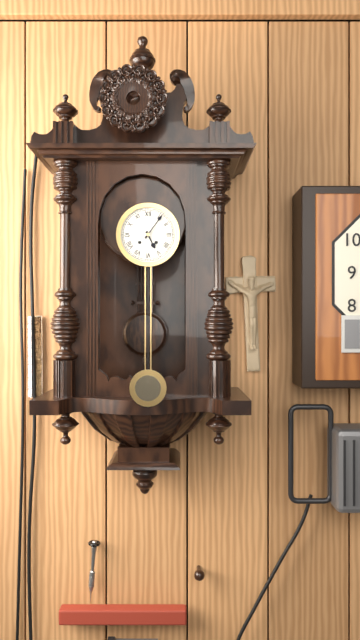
5:06
